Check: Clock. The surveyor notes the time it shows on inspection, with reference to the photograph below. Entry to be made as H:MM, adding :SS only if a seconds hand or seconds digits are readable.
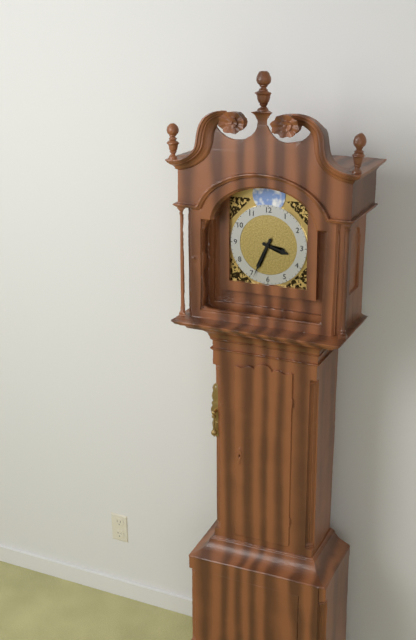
3:34
